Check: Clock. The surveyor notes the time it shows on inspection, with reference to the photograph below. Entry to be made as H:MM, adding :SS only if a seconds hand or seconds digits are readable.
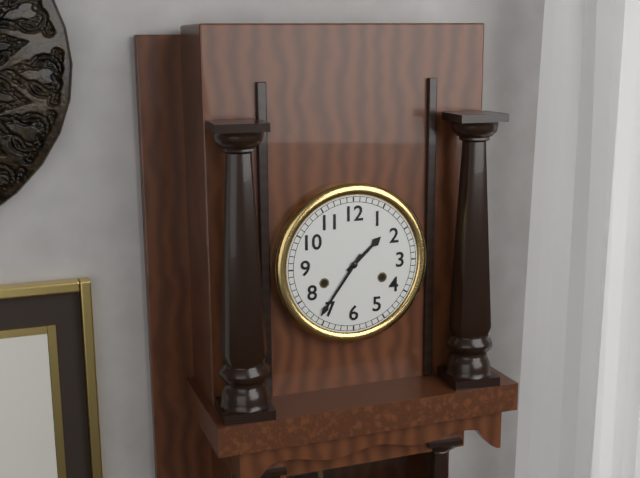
1:36
